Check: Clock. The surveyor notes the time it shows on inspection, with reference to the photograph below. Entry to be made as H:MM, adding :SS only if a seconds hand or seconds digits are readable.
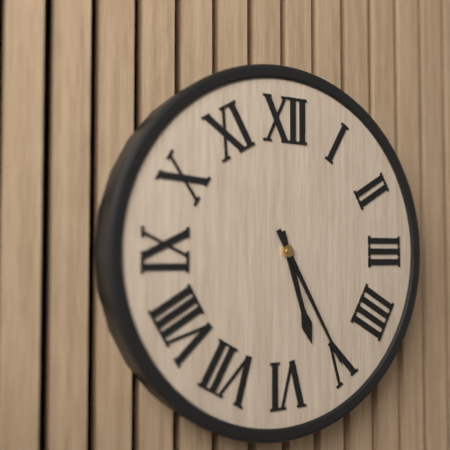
5:25
